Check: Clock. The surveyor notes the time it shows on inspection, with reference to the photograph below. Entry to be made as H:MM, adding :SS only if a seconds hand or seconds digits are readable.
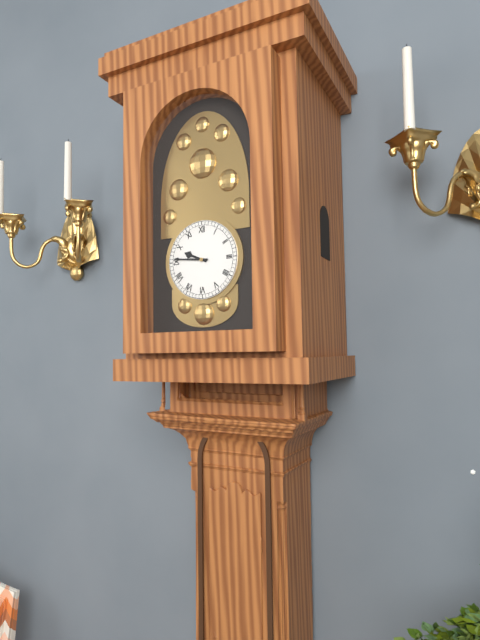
9:46
